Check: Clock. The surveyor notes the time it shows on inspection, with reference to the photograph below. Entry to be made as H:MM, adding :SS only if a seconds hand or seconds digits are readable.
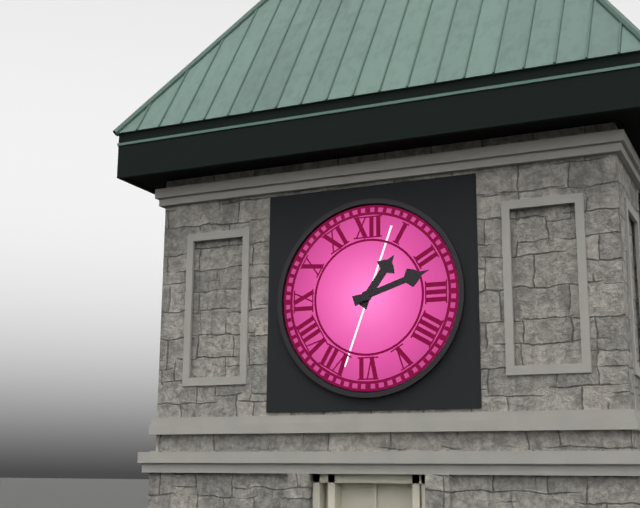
1:12
